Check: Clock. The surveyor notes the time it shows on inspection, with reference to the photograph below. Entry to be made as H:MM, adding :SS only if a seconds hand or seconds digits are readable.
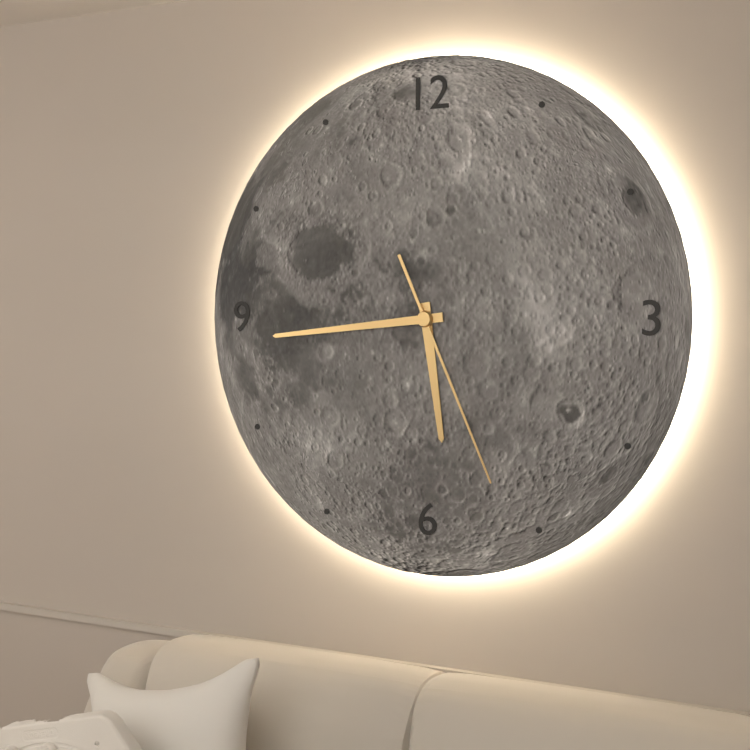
5:44:26
